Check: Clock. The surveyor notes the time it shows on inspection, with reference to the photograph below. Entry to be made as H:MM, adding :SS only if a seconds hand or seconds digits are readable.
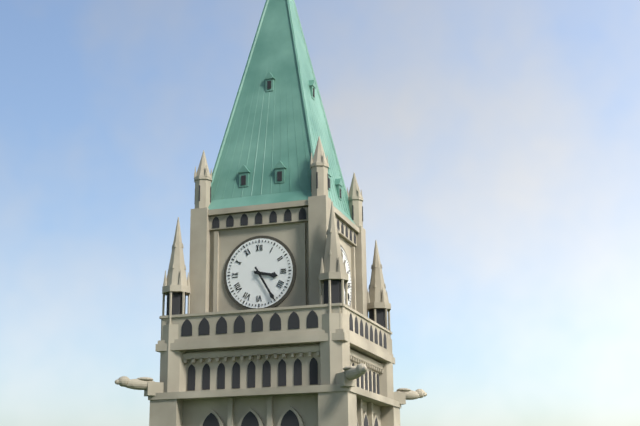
3:25
